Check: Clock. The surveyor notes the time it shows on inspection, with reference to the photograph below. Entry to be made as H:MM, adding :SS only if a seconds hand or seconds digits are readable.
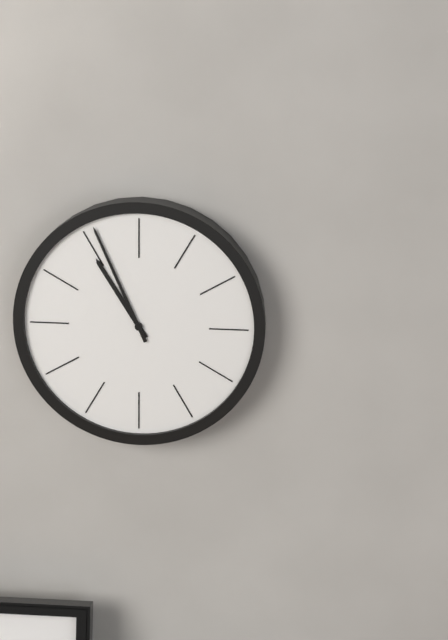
10:56
